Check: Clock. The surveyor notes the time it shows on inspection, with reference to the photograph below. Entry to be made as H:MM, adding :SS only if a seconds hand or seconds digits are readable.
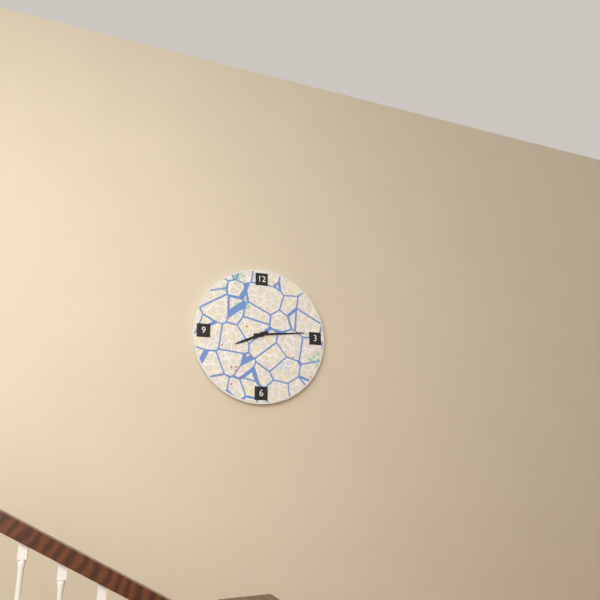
8:14
